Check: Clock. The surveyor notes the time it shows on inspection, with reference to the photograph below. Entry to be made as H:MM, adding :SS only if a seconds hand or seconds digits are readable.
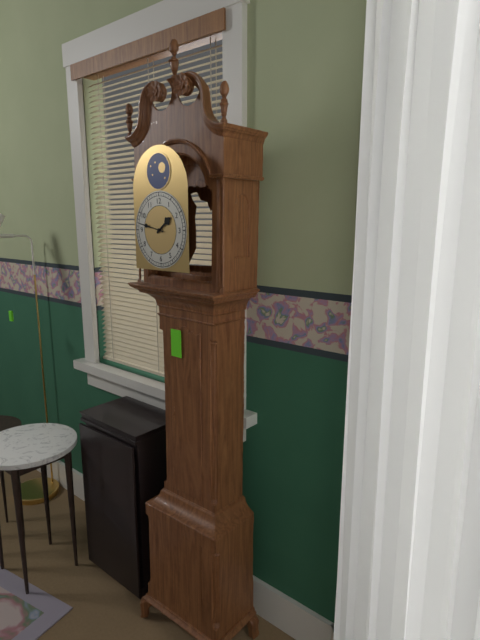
1:47
